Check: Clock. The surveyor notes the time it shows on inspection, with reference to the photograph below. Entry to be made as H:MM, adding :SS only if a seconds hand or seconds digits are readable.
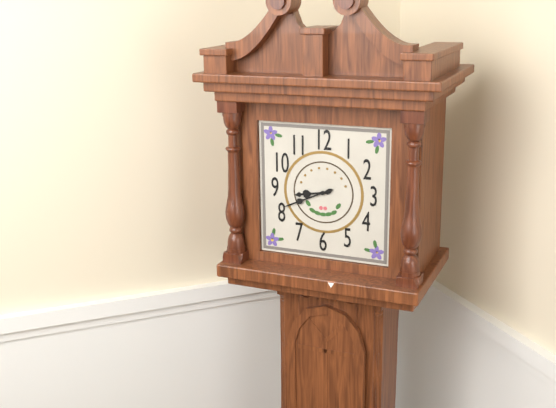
8:41
